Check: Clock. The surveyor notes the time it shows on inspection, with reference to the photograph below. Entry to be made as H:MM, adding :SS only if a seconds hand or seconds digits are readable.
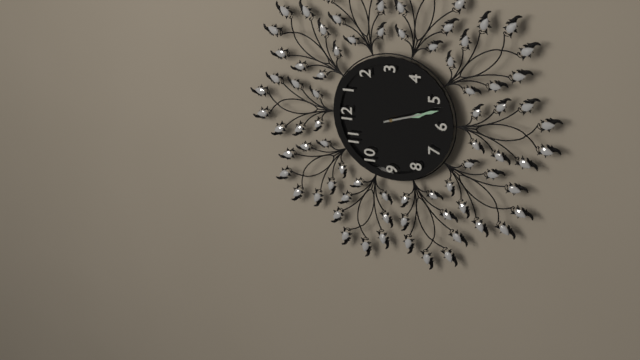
5:27
